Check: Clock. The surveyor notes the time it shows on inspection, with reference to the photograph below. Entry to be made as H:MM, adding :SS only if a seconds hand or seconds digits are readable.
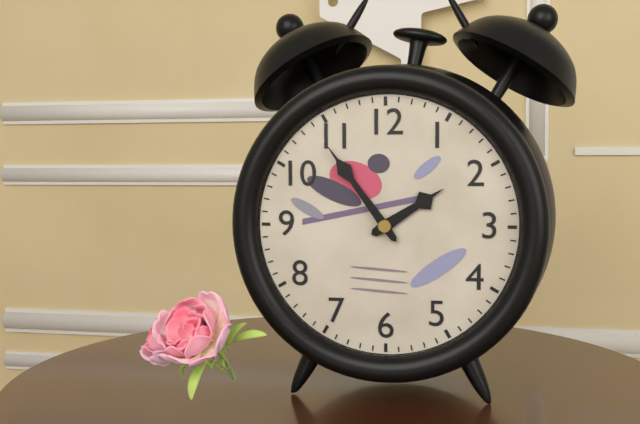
1:54
